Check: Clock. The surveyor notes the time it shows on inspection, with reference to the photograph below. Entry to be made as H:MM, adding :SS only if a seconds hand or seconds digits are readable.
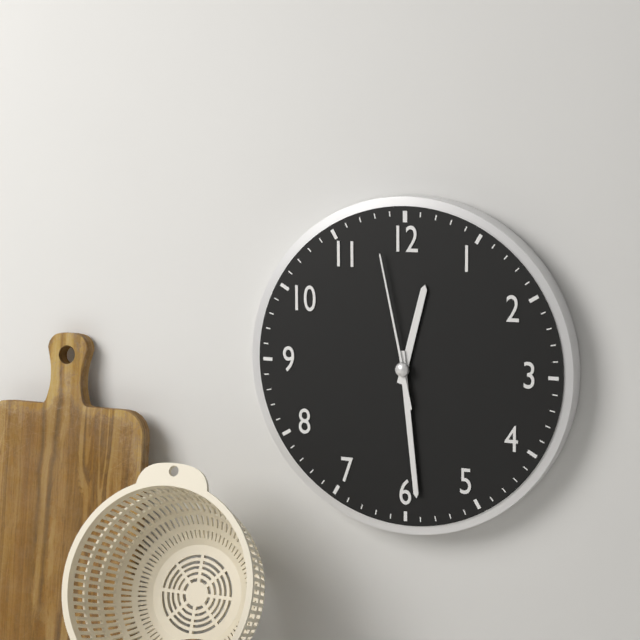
12:29:58
